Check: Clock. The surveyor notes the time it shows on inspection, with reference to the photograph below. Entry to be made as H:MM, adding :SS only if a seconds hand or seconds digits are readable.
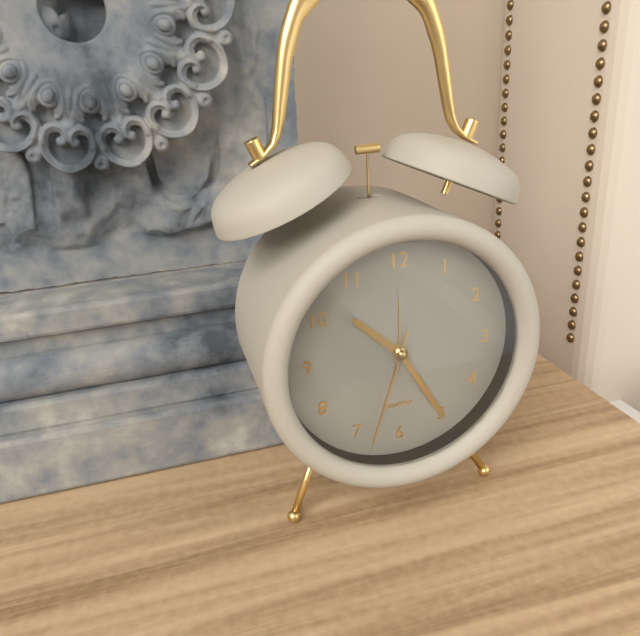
10:25:33
